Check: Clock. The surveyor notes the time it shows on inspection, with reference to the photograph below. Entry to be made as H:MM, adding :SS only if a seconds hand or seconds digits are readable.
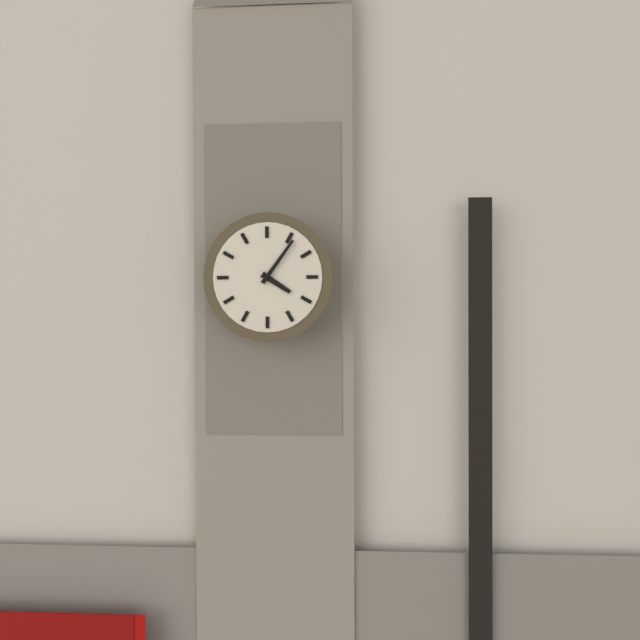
4:06
